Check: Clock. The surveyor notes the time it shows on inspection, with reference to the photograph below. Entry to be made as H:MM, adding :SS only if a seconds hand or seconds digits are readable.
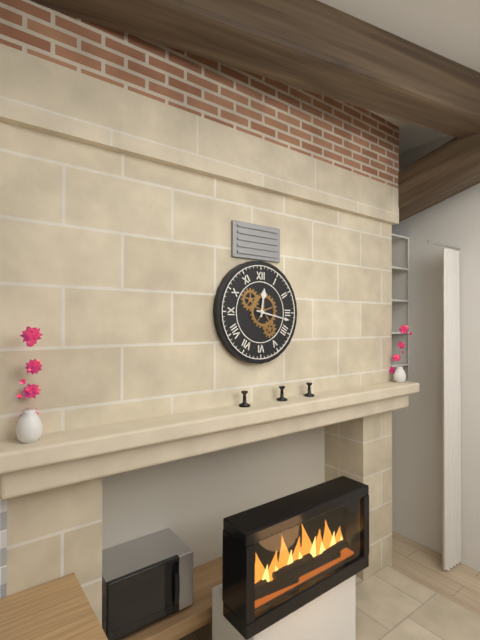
12:17
